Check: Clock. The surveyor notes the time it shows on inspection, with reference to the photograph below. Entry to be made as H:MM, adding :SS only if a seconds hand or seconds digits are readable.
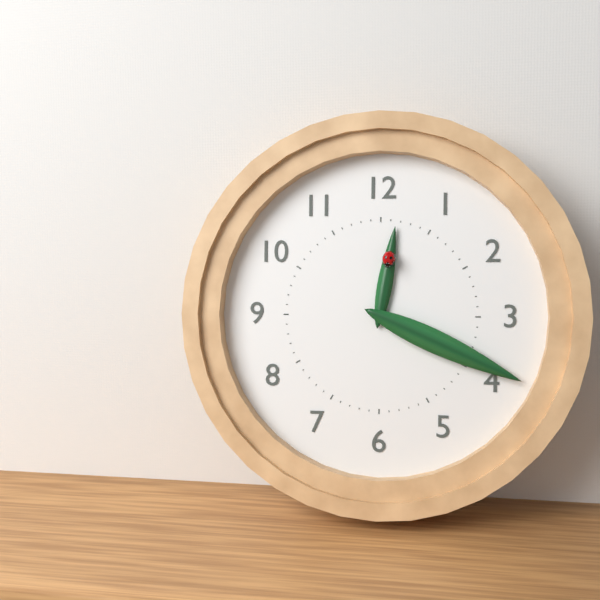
12:19
